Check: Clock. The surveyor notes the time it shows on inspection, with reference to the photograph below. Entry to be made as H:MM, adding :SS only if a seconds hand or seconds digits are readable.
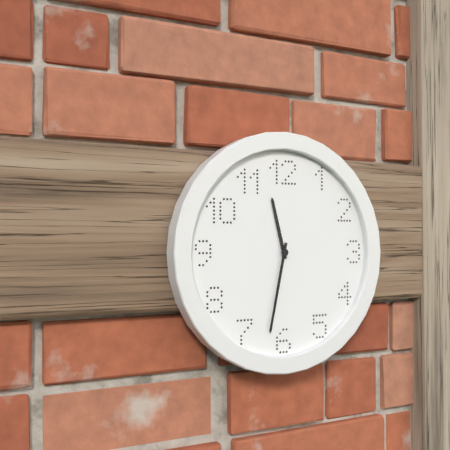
11:32
